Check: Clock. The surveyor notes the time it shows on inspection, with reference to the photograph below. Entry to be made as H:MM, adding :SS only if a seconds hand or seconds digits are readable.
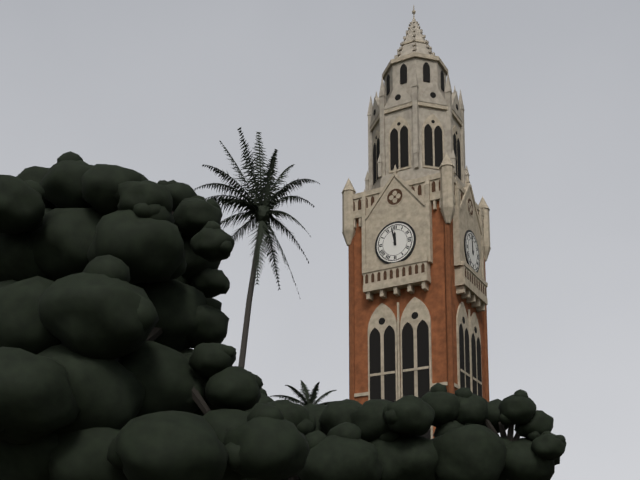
11:58
